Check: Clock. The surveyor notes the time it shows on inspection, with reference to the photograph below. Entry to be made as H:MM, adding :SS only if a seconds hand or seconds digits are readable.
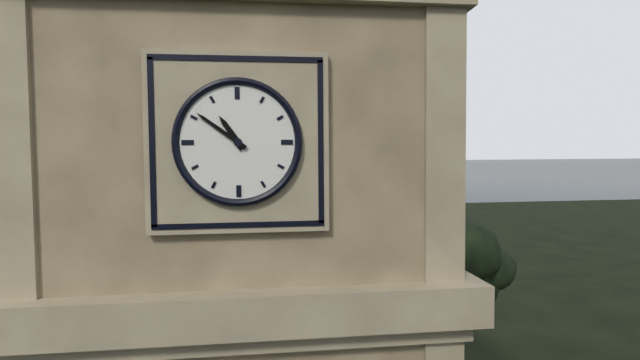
10:51
